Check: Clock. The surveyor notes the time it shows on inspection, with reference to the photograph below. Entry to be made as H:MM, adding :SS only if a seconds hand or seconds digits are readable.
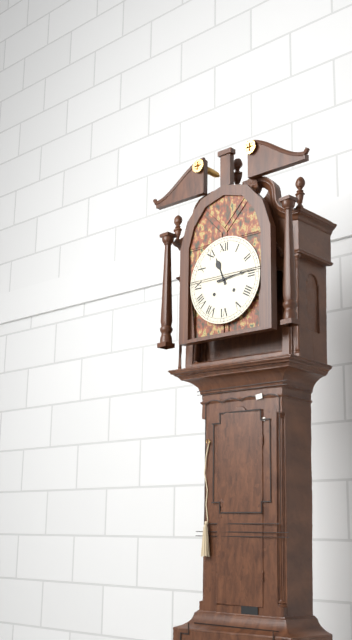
11:14
